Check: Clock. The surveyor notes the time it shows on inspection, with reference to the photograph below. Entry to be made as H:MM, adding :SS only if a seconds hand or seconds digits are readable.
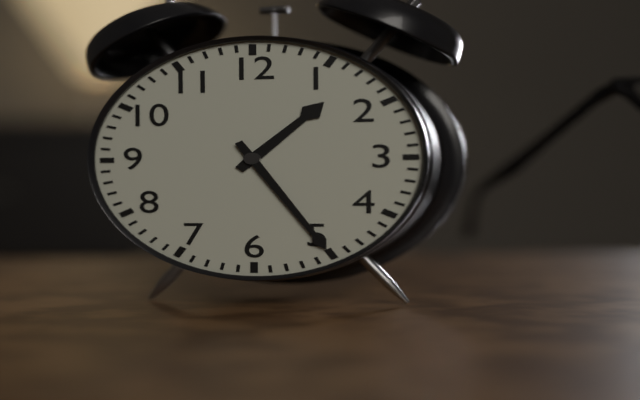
1:25
